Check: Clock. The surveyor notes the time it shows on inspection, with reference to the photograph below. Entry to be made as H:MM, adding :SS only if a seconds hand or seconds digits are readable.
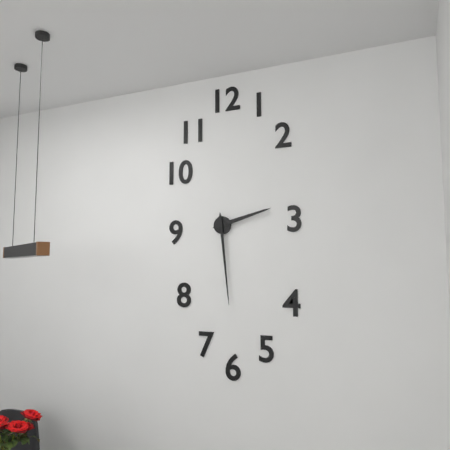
2:29
